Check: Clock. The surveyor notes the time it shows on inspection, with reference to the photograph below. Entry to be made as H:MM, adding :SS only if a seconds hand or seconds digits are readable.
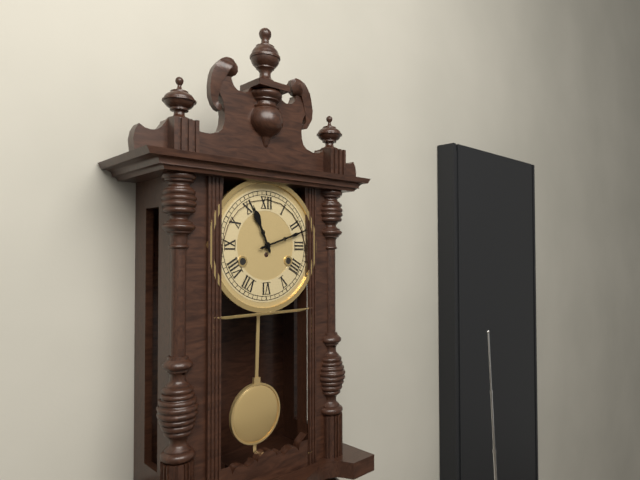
11:12
